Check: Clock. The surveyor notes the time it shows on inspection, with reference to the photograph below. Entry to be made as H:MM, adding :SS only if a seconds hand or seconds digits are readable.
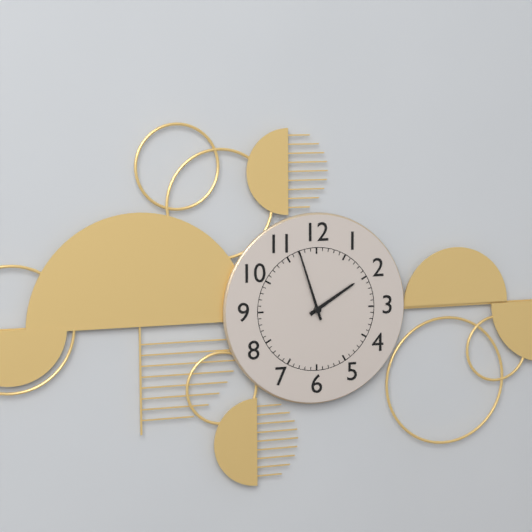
1:57
